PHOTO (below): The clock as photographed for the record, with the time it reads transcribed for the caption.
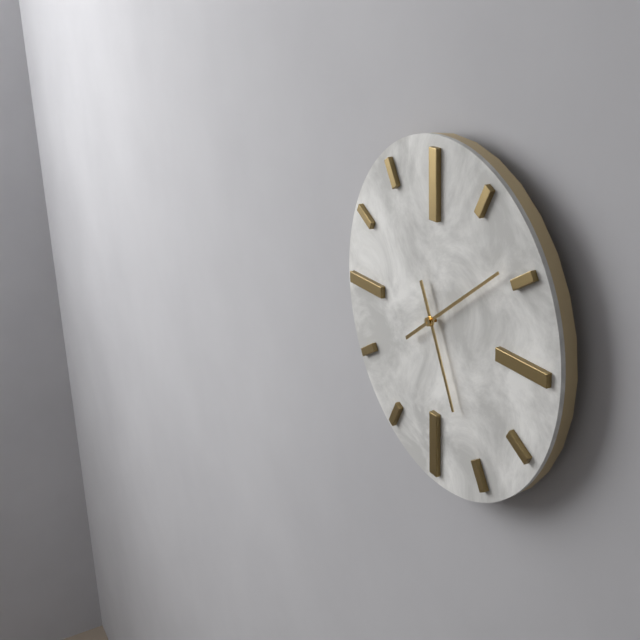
5:09
